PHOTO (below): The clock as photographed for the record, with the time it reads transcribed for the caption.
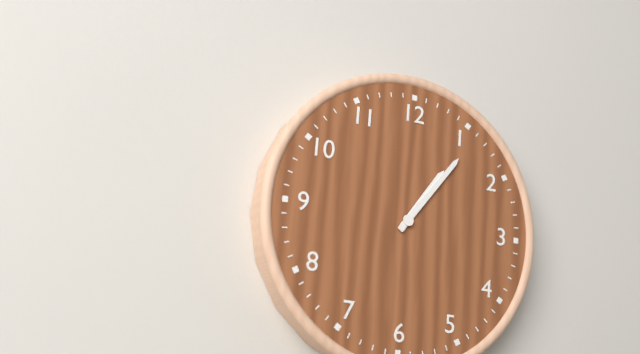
1:06
